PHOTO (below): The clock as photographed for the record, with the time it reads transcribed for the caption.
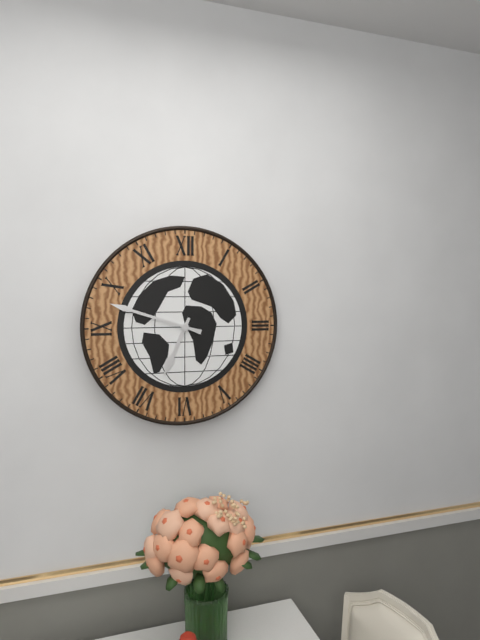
6:48
